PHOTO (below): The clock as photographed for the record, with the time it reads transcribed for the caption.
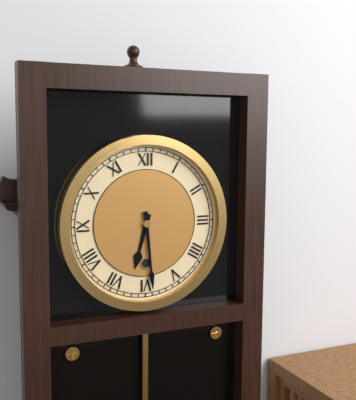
6:29
